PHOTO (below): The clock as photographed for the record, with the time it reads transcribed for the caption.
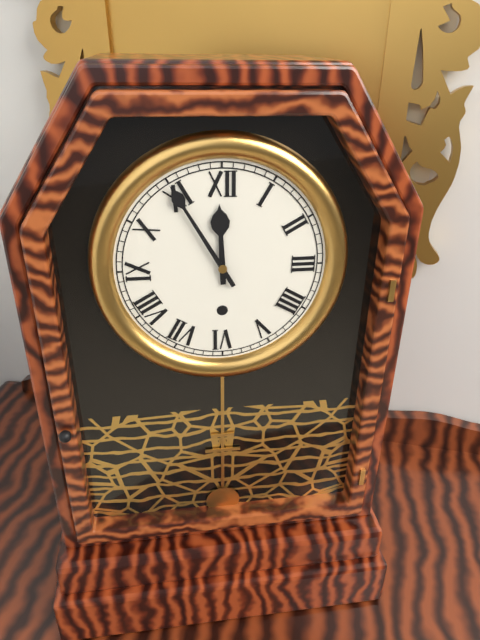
11:55
